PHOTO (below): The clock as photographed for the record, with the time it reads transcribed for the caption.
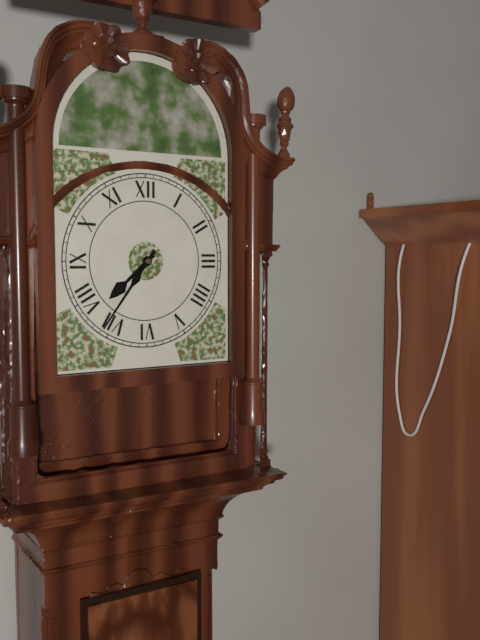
7:36
